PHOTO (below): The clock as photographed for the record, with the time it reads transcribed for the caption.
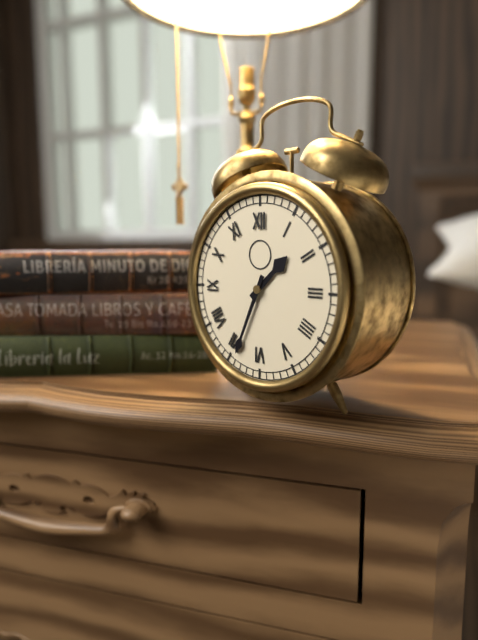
1:34
